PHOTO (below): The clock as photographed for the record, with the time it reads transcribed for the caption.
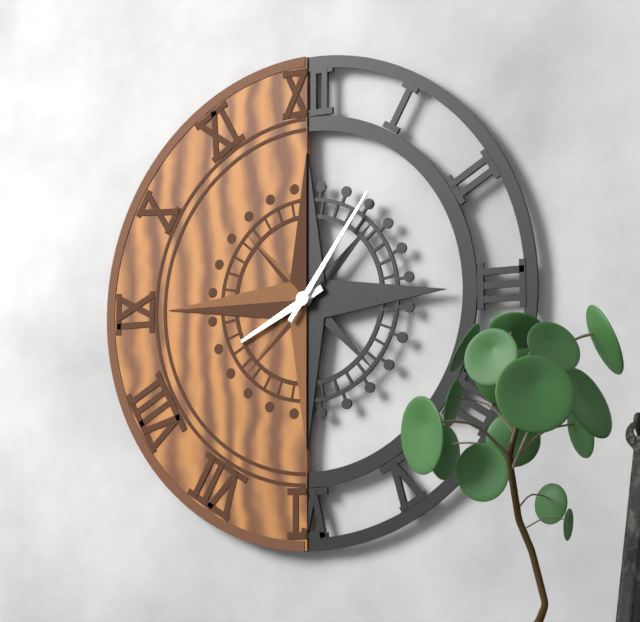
8:06
